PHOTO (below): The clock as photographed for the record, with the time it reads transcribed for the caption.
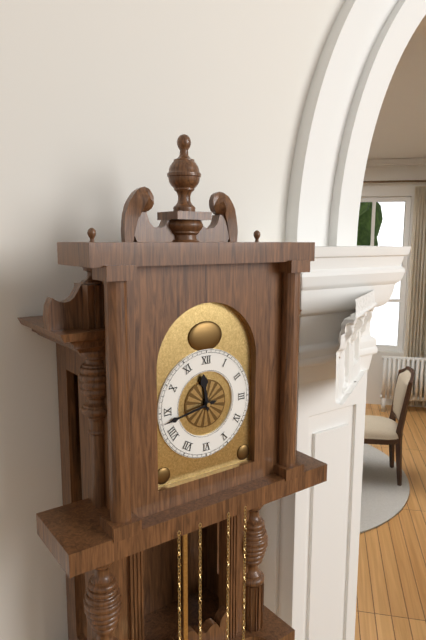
11:43
